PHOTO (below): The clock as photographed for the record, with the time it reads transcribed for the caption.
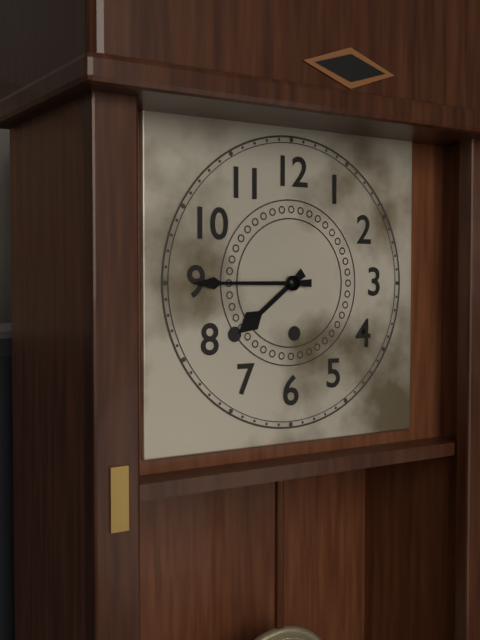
7:45
